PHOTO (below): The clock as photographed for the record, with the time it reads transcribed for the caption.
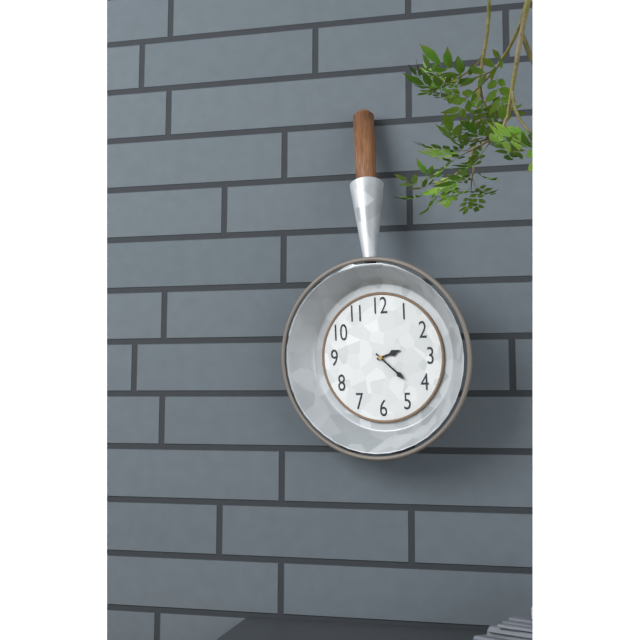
2:22
